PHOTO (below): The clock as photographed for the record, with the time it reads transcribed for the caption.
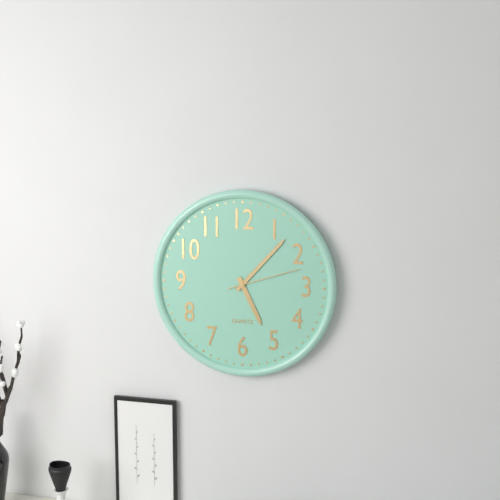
5:07:12
